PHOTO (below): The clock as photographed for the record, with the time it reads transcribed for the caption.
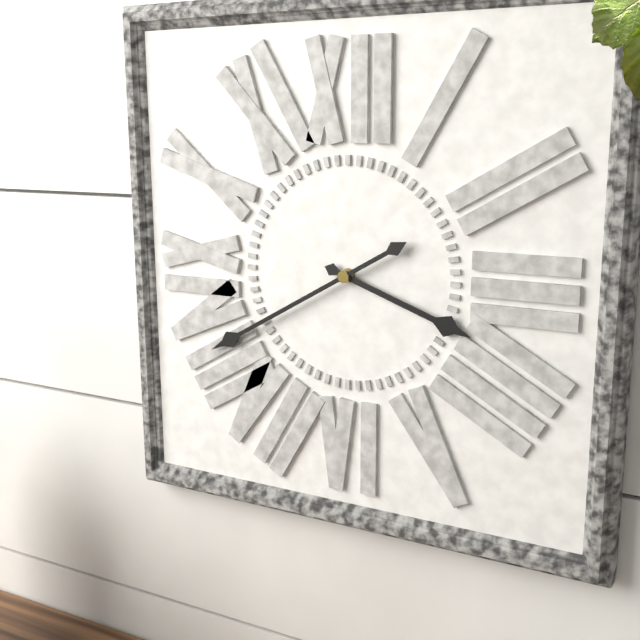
3:40
